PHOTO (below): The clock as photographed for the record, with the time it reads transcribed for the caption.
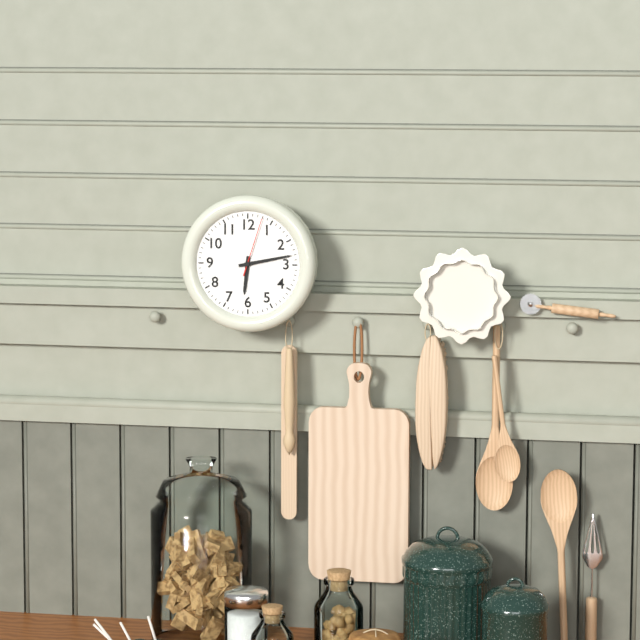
6:13:03
